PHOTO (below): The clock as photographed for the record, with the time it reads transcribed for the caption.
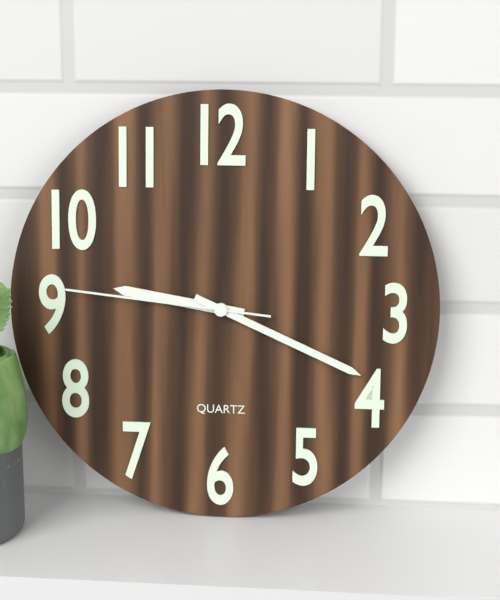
9:19:46
